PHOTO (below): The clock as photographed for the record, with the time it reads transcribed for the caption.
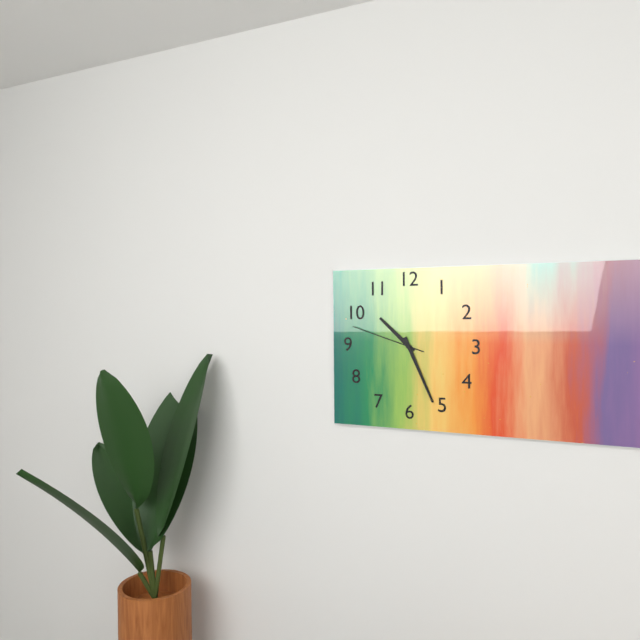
10:26:48
